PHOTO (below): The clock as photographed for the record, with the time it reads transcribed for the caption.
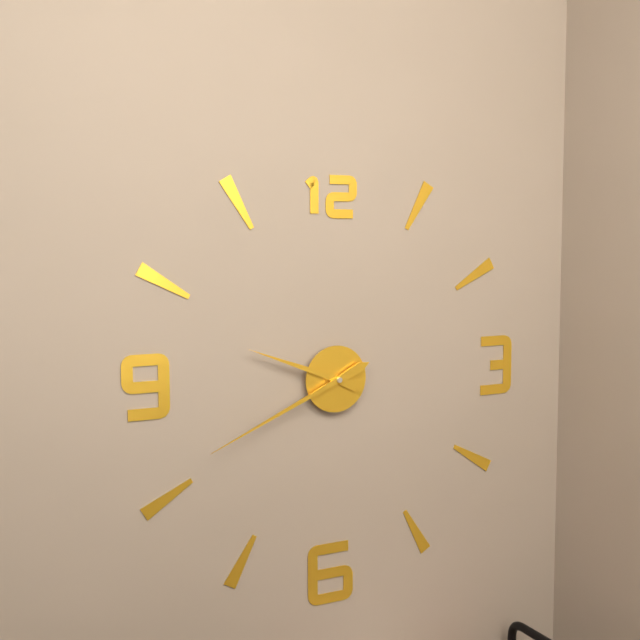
9:41
